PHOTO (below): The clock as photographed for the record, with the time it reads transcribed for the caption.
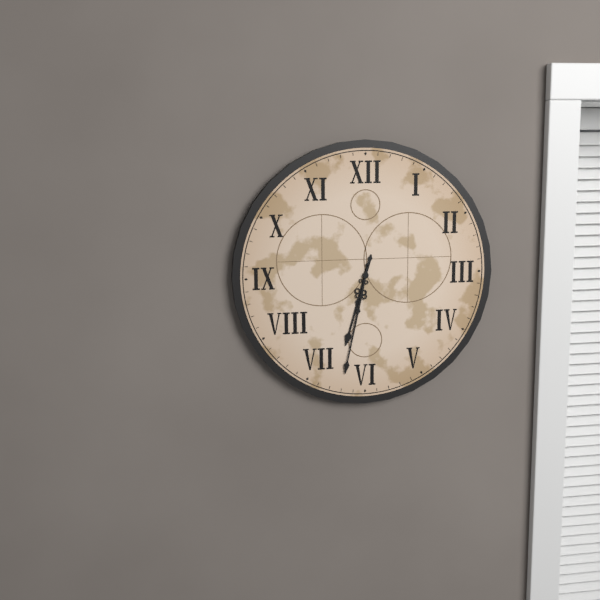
6:32
